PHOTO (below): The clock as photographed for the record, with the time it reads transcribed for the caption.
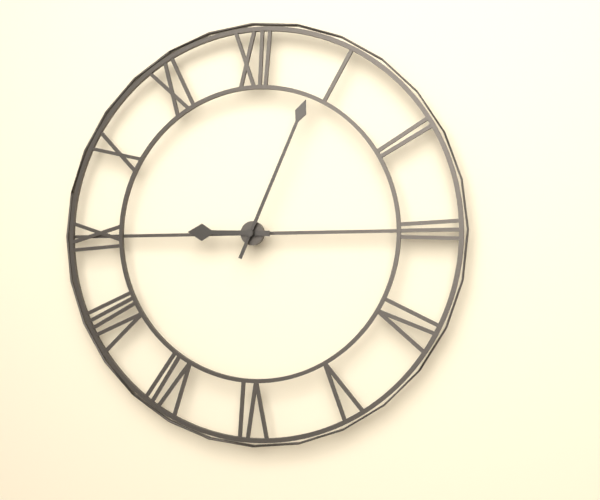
9:04
